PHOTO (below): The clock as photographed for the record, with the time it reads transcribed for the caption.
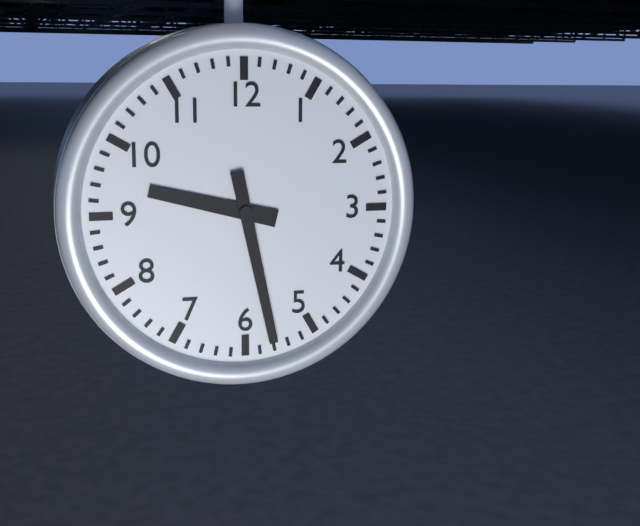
9:28
